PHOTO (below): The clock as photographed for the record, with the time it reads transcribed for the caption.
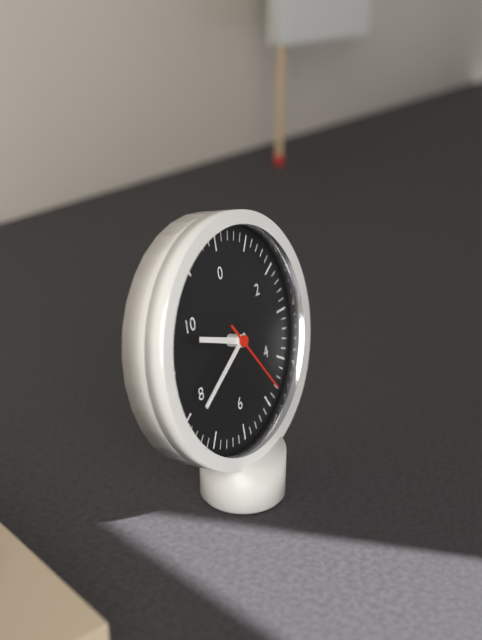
9:40:24
